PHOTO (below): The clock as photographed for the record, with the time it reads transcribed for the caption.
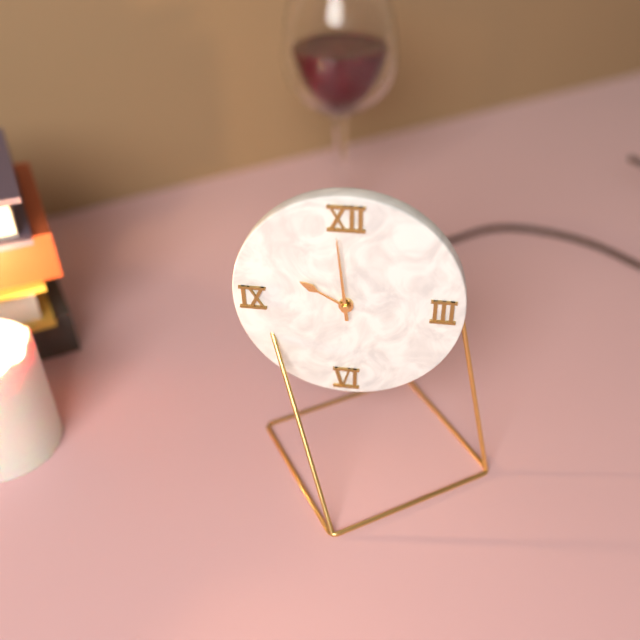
9:59
